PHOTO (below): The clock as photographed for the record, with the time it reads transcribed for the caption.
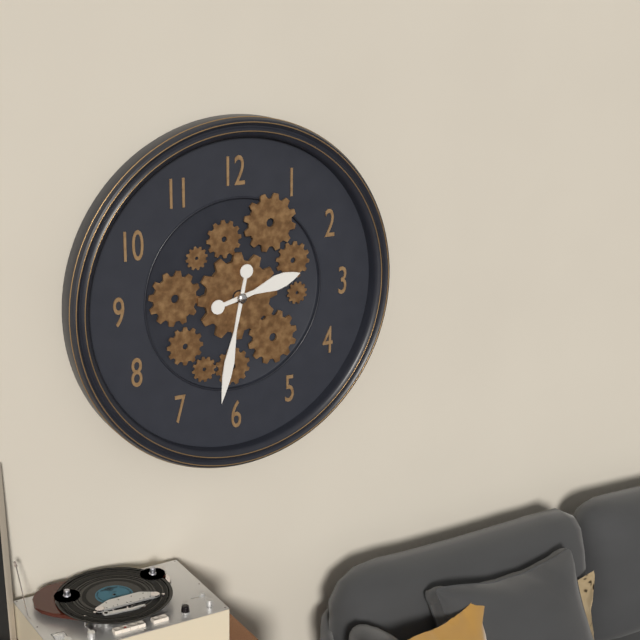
2:32
